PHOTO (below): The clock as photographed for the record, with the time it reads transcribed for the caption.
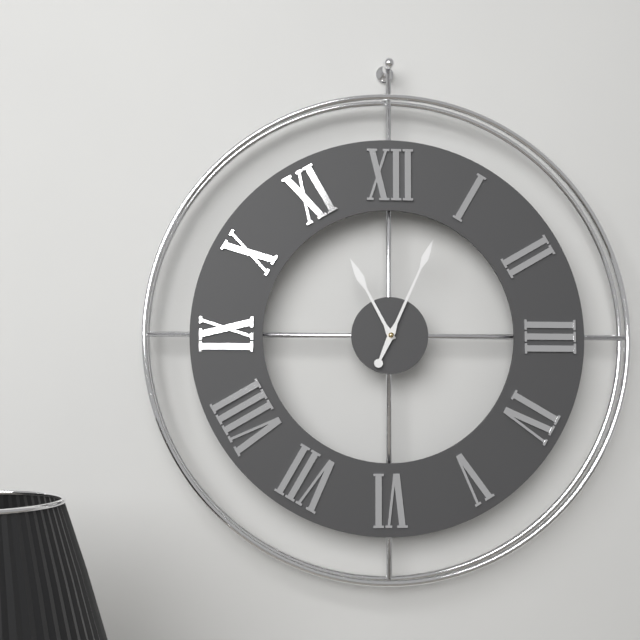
11:04
